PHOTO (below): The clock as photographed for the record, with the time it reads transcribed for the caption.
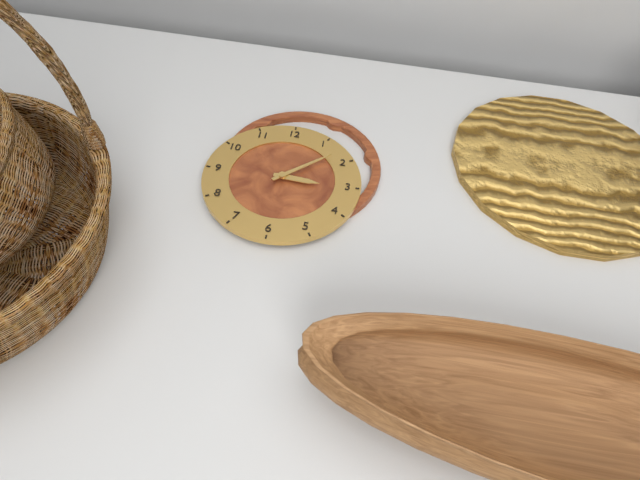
3:08
